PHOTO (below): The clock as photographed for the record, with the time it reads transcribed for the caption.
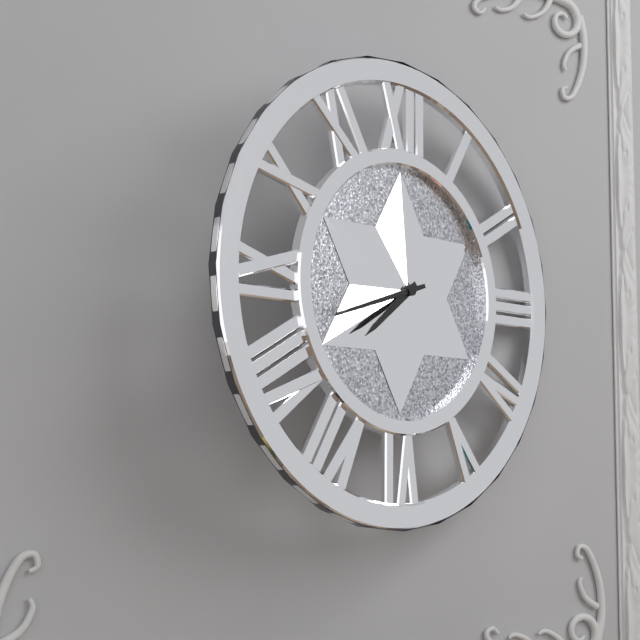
7:42
